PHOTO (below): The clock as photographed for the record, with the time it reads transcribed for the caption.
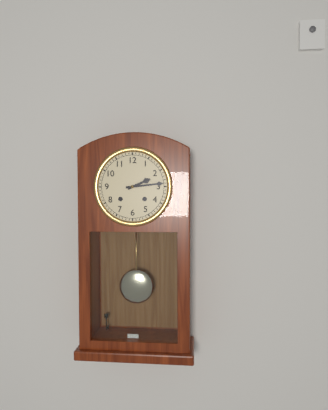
2:14
